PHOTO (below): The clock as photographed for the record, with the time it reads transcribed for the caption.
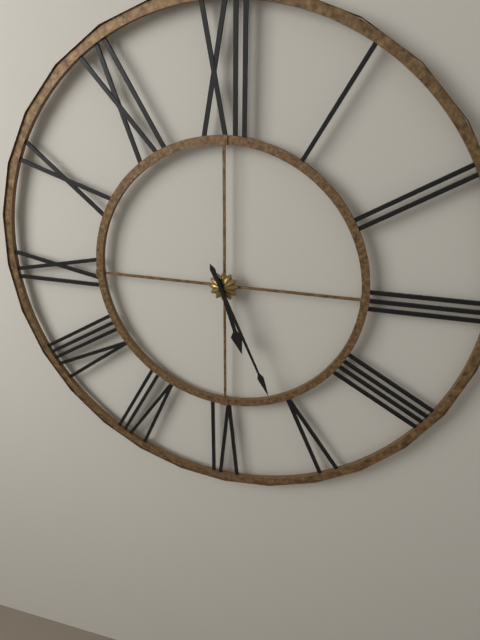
5:26
